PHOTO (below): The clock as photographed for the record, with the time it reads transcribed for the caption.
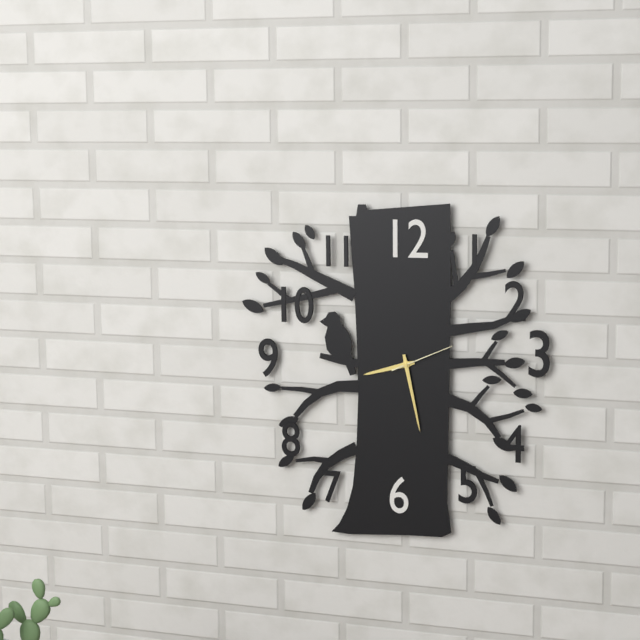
8:28:11
